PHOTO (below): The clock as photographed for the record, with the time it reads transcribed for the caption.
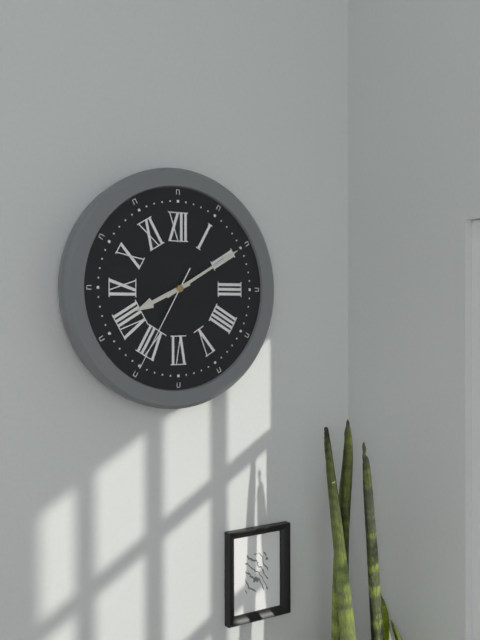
8:10:35
